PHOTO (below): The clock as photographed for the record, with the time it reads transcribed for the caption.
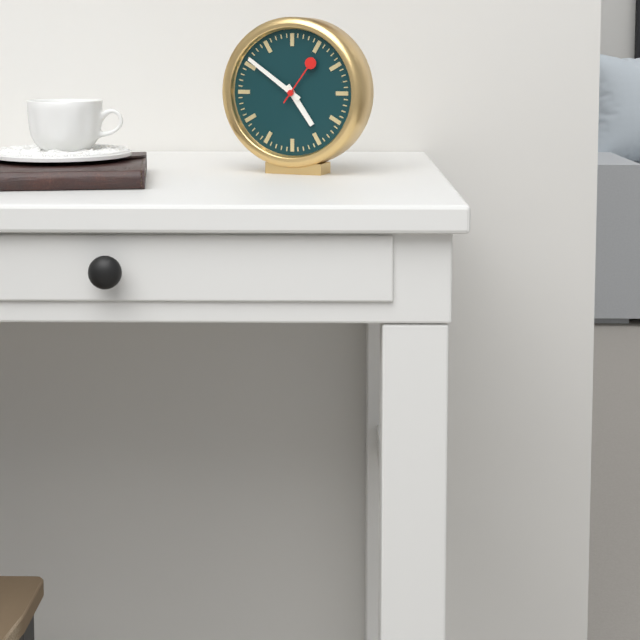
4:51
